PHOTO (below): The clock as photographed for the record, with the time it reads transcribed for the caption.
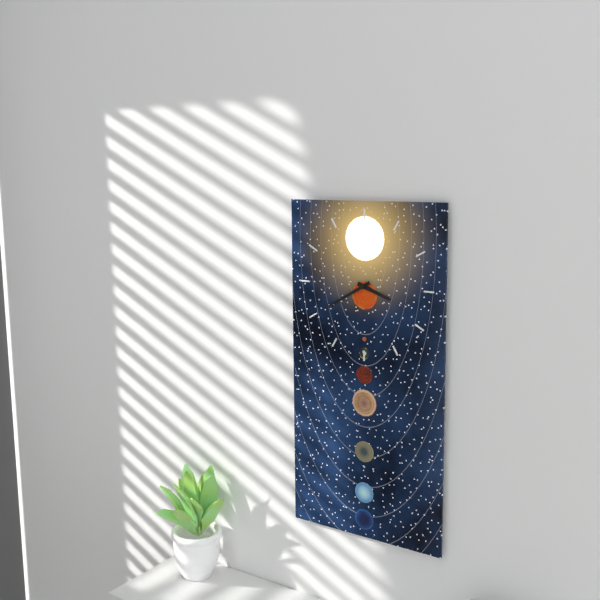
3:40
